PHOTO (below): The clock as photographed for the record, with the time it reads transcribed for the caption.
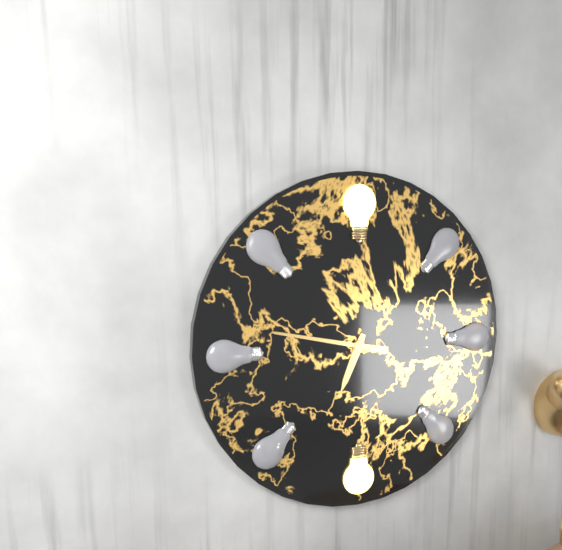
6:47
